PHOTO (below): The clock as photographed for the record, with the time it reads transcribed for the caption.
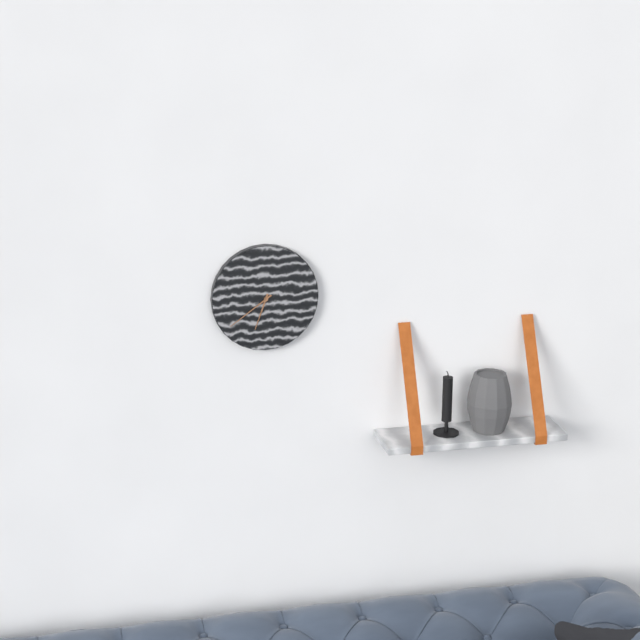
6:39
